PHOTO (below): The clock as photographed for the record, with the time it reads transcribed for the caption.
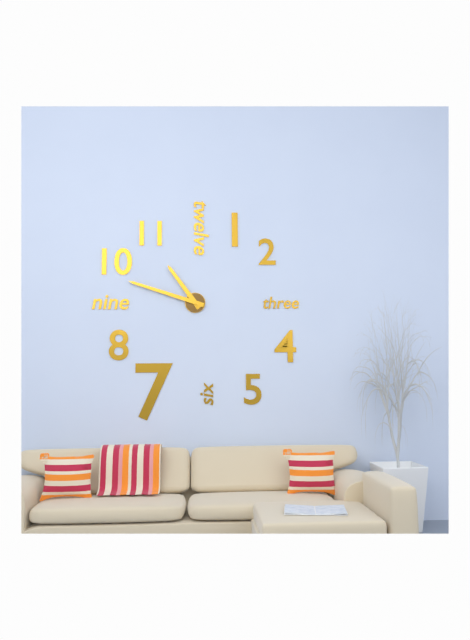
10:48
